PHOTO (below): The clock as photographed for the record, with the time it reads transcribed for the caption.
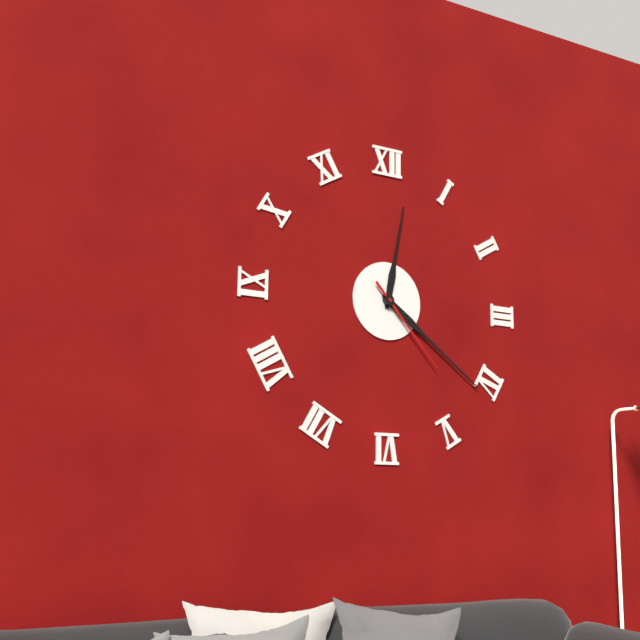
12:21:23
